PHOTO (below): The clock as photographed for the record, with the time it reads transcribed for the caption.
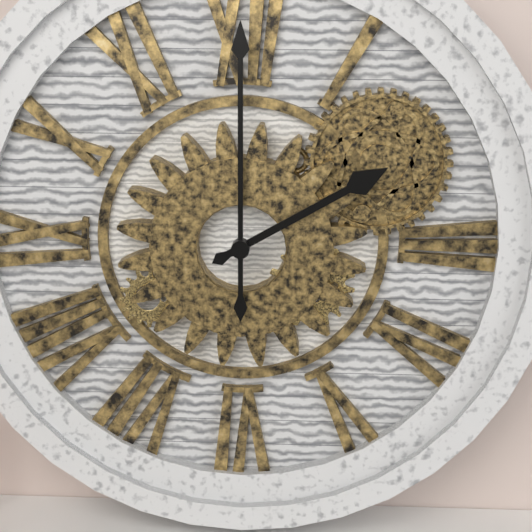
2:00
